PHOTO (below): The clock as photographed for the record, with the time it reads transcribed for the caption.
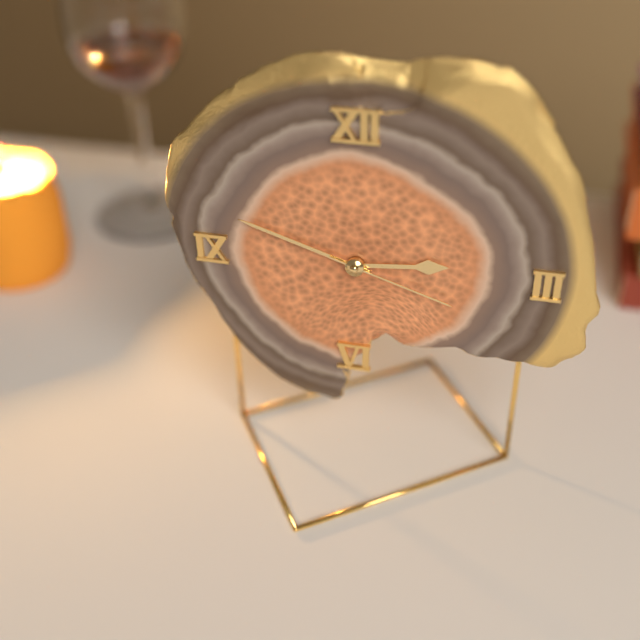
2:48:18
